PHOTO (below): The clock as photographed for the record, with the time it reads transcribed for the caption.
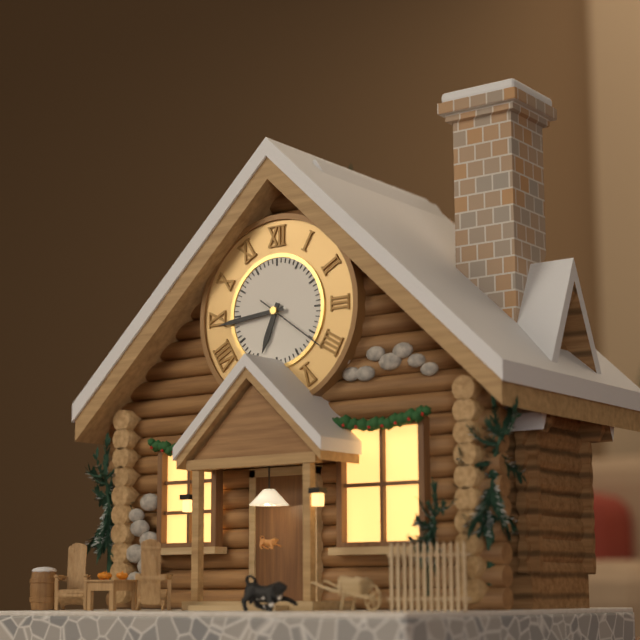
6:44:21
